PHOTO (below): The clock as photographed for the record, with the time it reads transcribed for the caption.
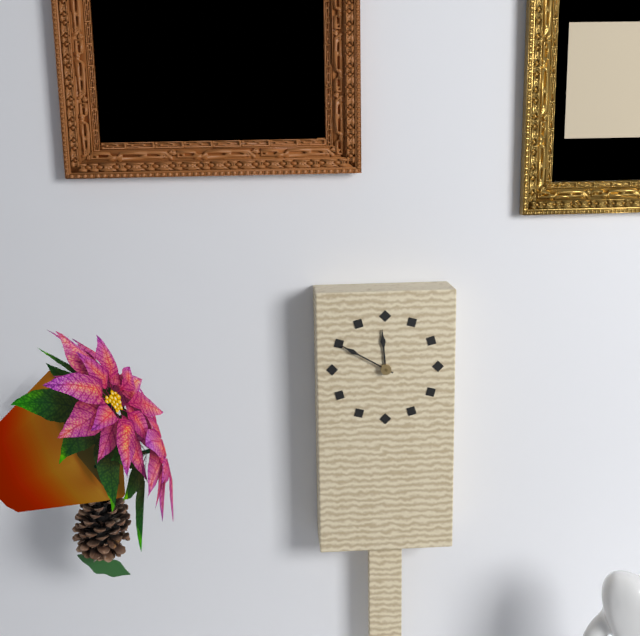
11:50
